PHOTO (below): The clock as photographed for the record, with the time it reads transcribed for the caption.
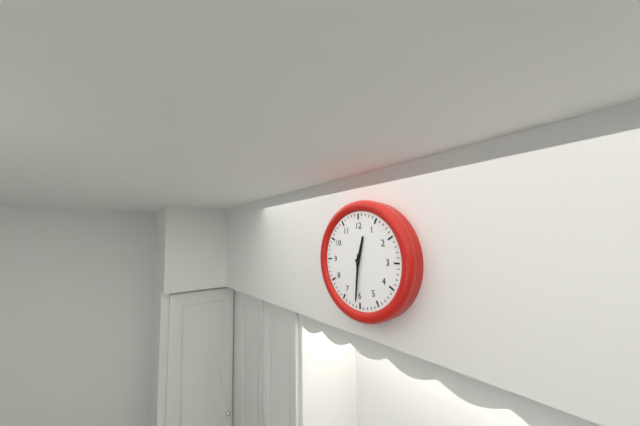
12:31
